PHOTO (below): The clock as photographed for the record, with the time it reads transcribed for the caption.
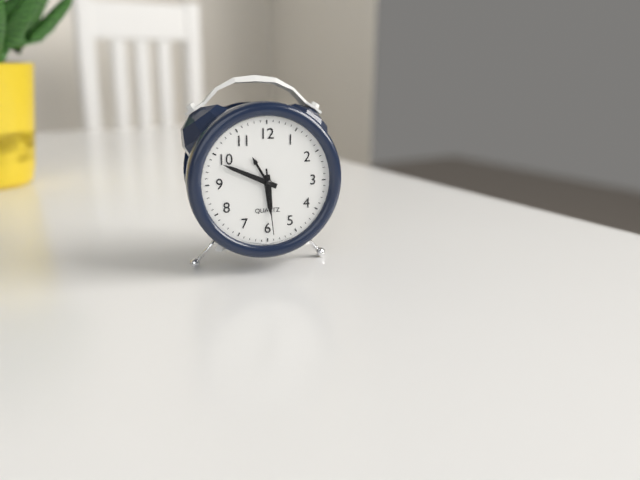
5:49:29
